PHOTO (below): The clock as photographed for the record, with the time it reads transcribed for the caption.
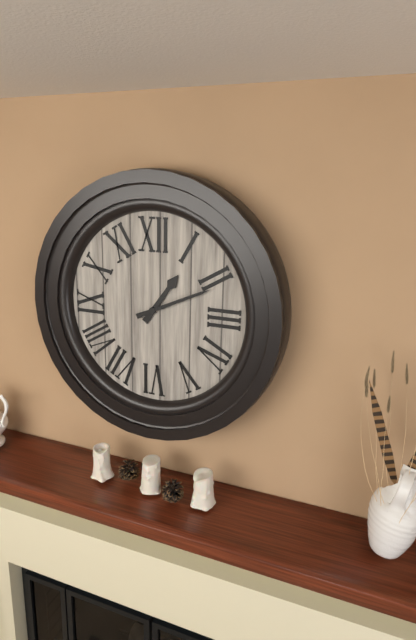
1:11
